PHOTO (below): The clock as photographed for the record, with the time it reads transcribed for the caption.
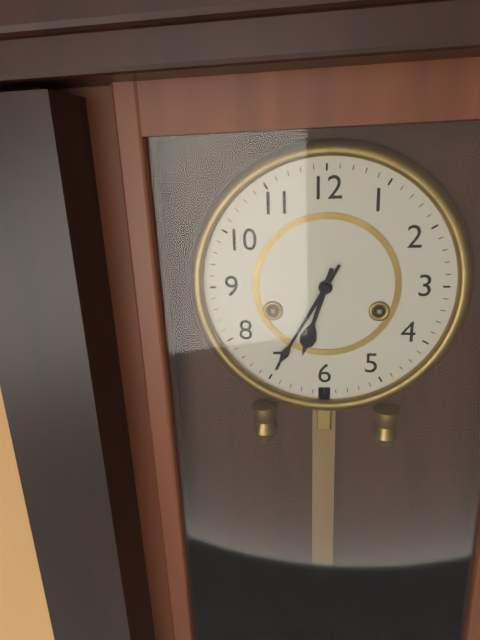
6:35
